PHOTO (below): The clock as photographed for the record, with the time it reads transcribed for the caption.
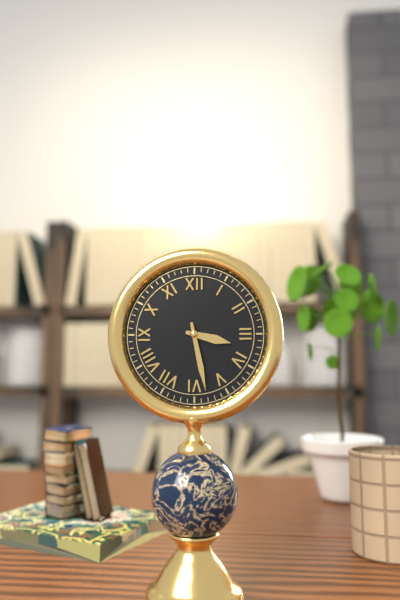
3:28
